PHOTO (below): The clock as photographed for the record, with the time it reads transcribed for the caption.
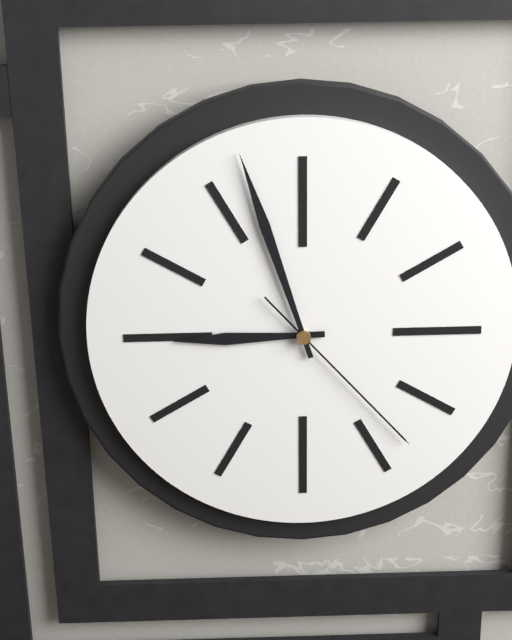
8:57:23
